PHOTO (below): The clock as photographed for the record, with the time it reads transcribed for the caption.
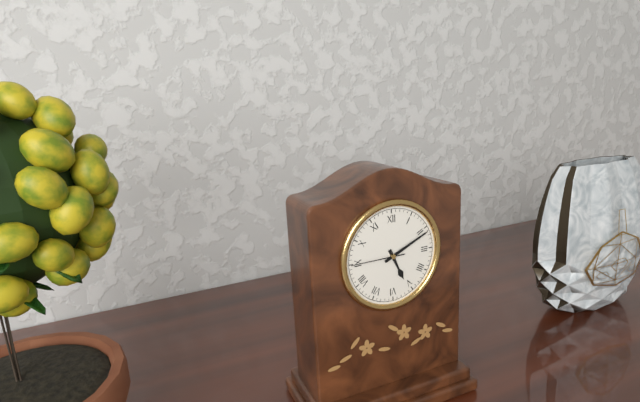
5:11:45
